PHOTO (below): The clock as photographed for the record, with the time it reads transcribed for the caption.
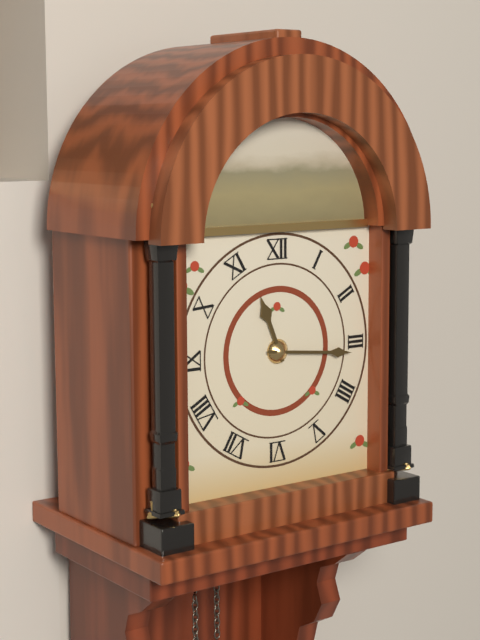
11:16
